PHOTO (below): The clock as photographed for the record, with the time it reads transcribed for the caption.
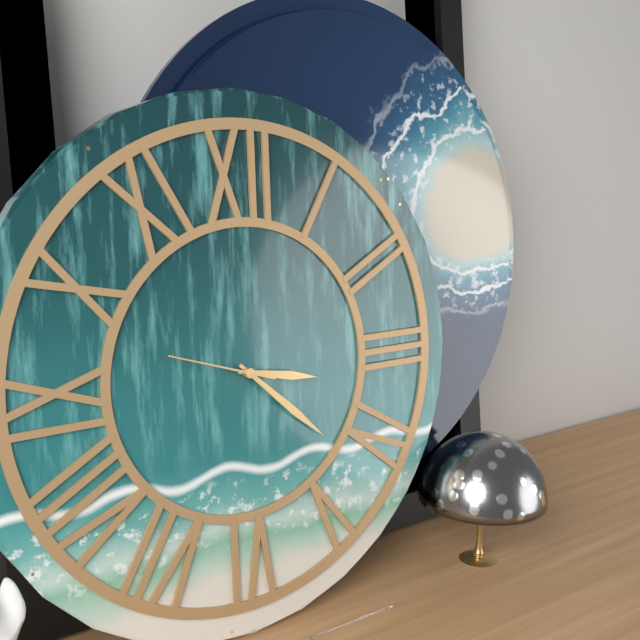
3:22:48
